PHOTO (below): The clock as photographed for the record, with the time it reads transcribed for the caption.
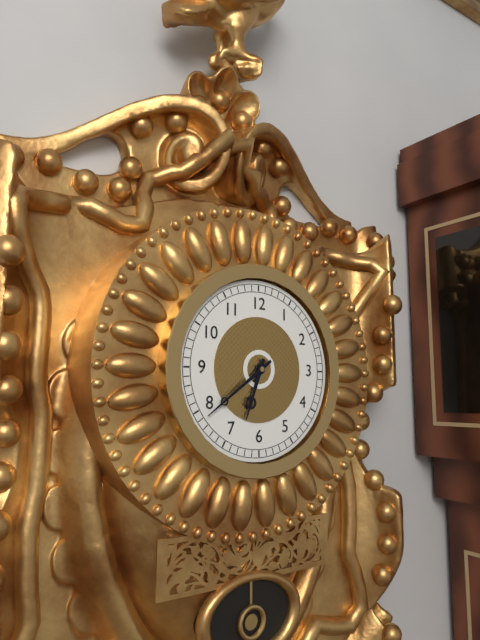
6:39
